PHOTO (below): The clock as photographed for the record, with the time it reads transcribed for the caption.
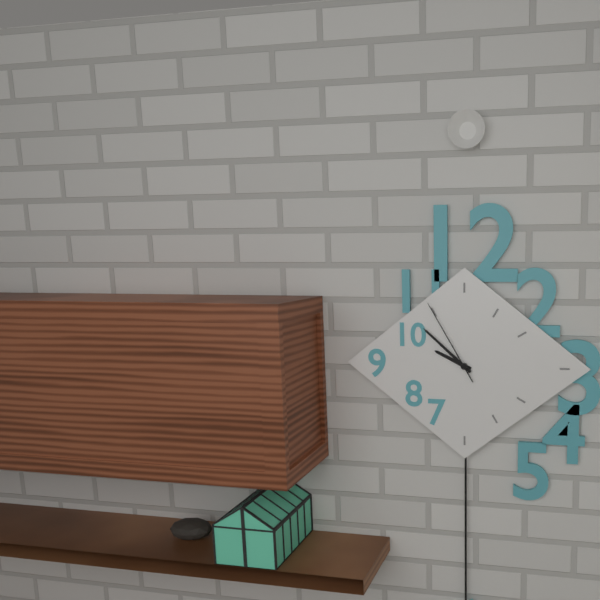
9:52:55
